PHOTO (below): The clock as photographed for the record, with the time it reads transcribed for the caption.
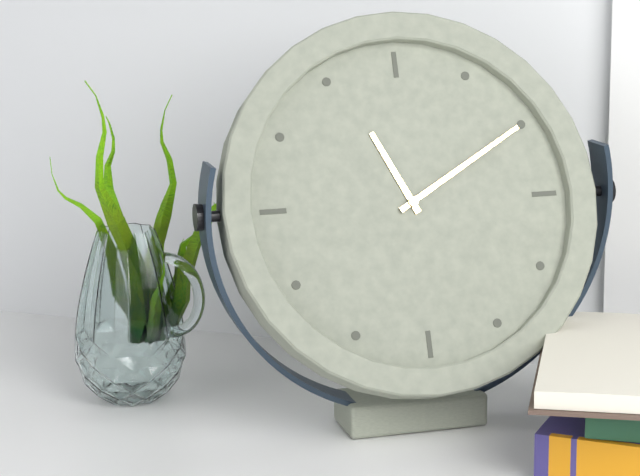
11:10
